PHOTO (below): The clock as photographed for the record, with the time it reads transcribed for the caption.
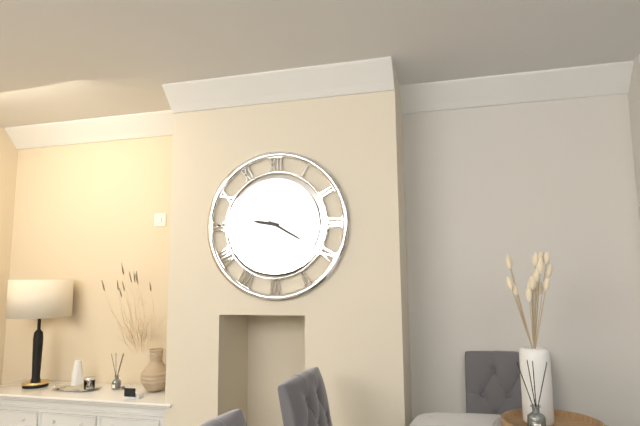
9:20
